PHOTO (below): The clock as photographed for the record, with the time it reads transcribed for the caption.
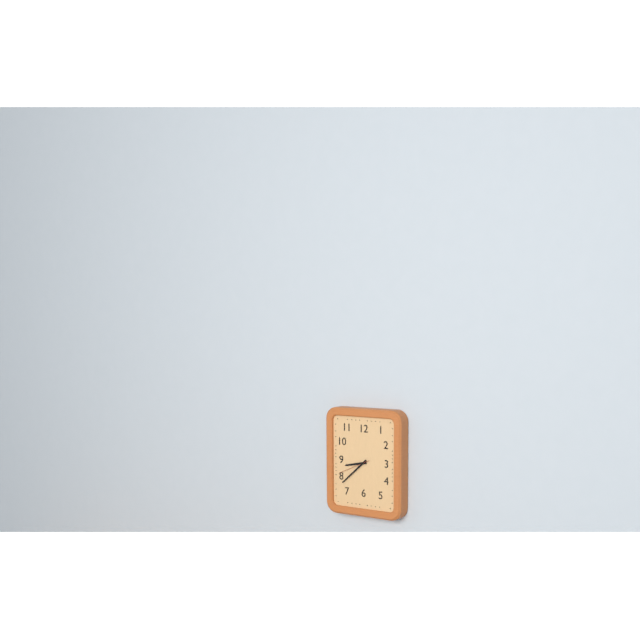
8:38
